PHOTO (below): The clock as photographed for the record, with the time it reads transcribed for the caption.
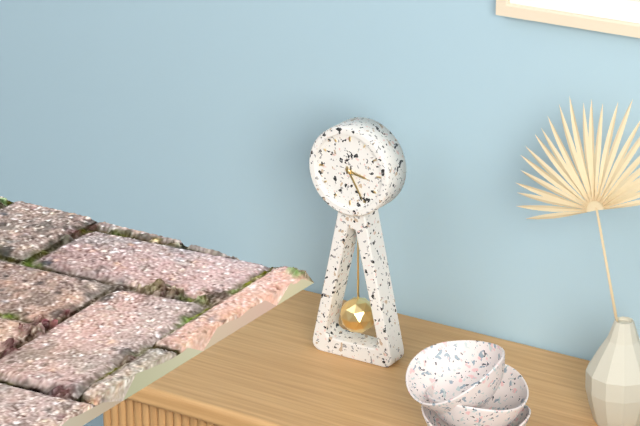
3:25
